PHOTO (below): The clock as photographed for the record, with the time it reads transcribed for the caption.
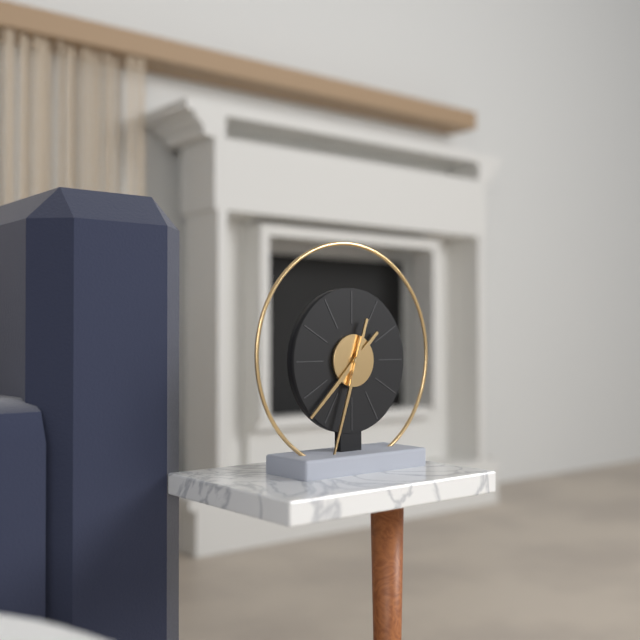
7:33
